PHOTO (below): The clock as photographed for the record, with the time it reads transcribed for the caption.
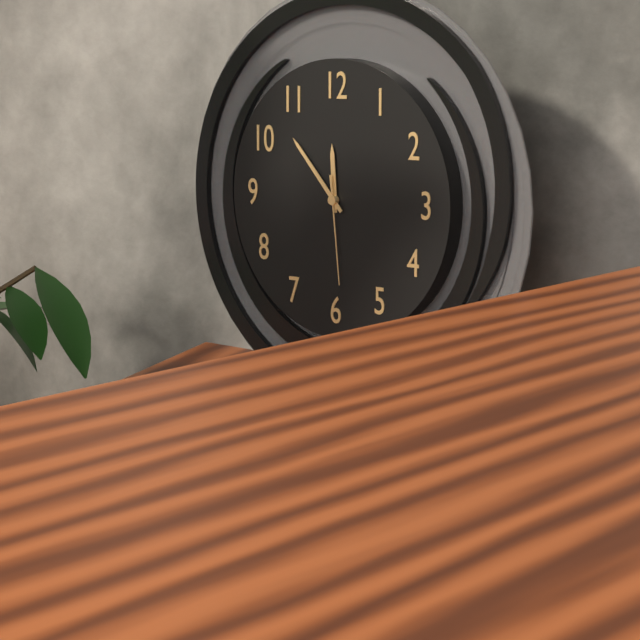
11:53:29
